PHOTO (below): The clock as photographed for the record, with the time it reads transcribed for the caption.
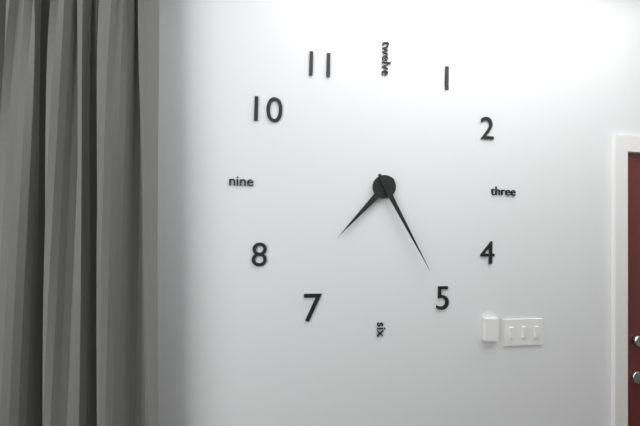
7:25
